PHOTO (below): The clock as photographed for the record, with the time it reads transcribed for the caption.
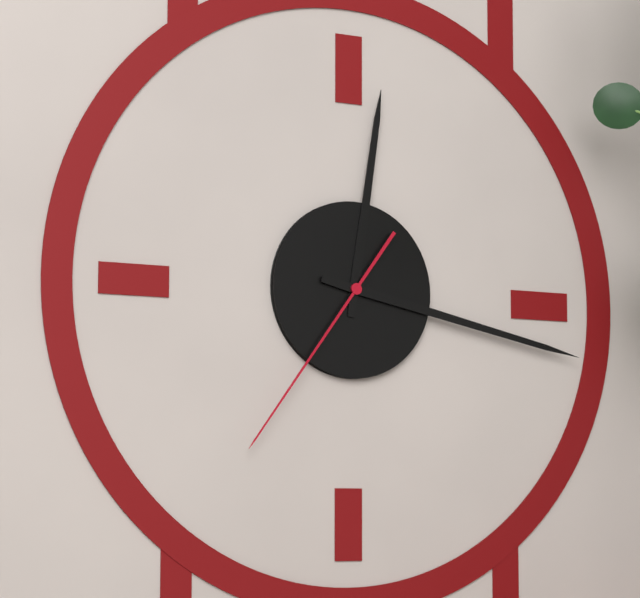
12:17:36
